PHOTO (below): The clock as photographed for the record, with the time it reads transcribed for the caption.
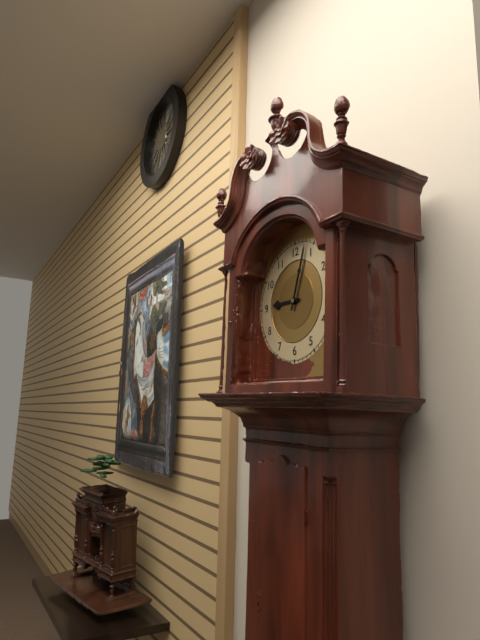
9:03
